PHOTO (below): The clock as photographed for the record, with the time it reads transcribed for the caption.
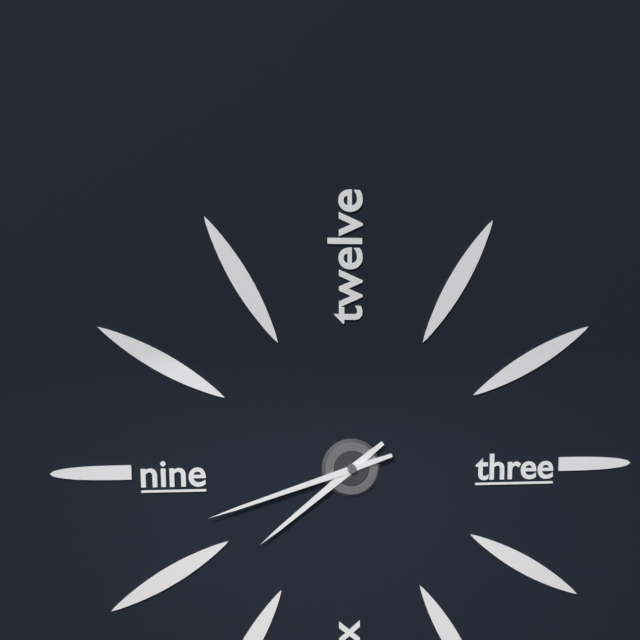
7:42
